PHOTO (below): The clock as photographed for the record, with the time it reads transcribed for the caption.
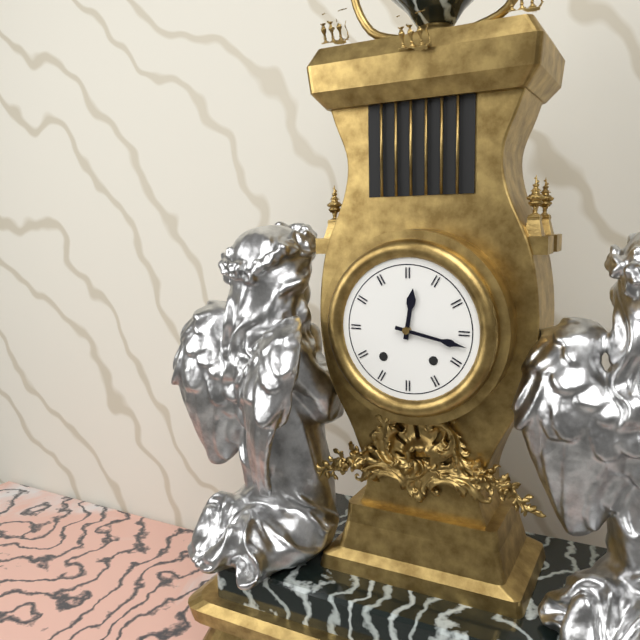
12:17
